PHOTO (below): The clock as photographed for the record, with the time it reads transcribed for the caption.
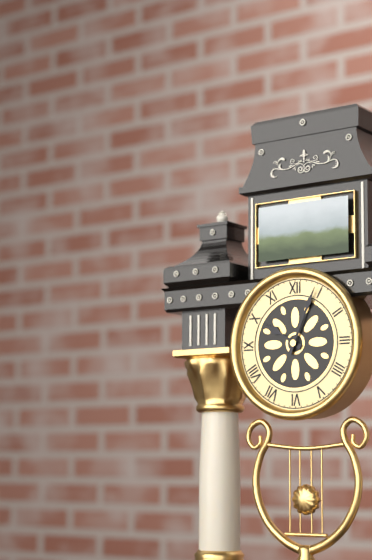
10:04
